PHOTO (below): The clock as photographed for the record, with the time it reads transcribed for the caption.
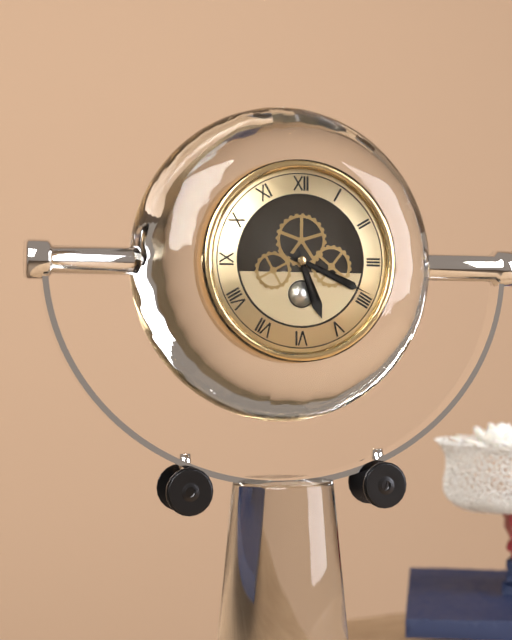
5:19
